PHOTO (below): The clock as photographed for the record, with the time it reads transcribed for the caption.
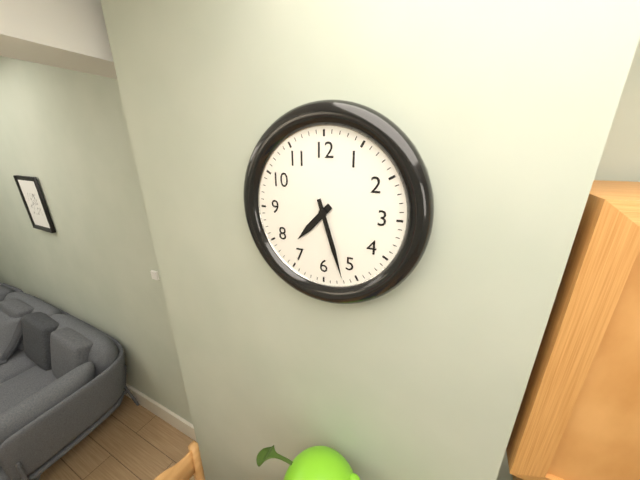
7:27
